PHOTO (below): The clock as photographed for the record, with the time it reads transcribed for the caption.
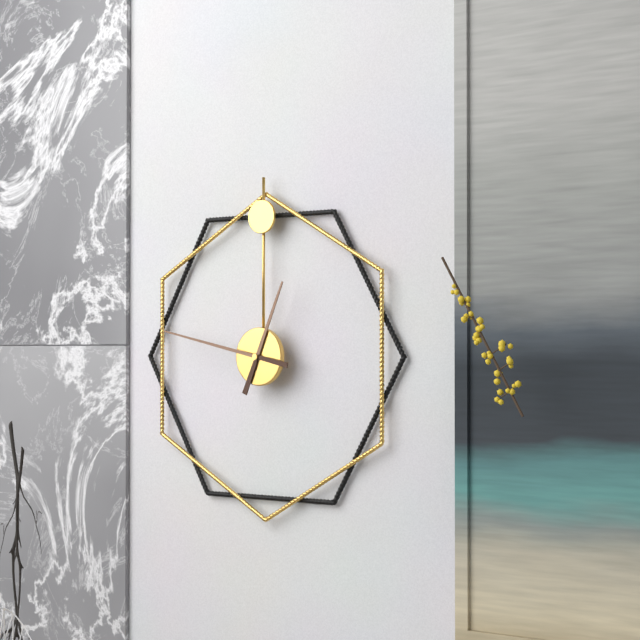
12:47
